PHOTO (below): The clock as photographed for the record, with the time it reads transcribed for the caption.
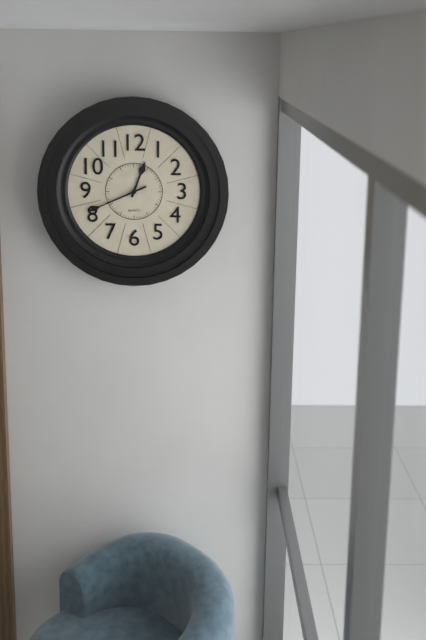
12:41
